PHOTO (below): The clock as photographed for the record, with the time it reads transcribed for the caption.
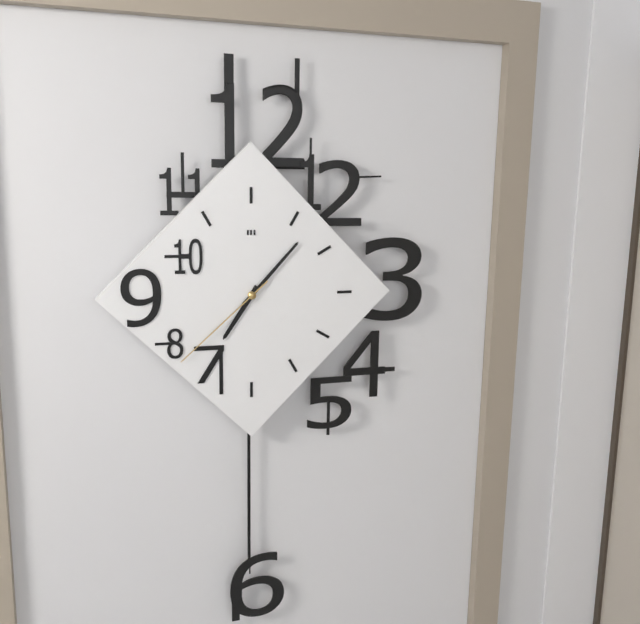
7:07:38
